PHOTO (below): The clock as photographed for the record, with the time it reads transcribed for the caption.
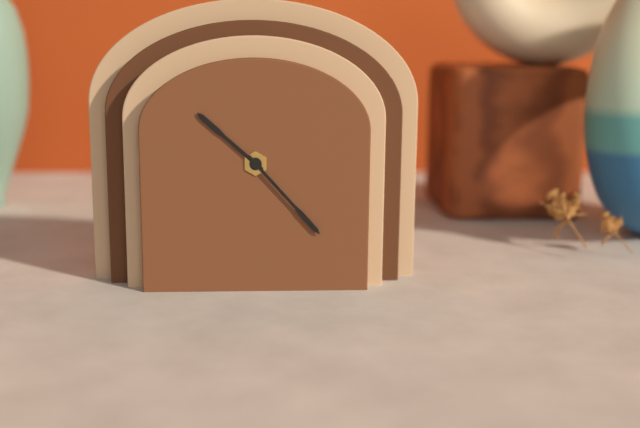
10:23
